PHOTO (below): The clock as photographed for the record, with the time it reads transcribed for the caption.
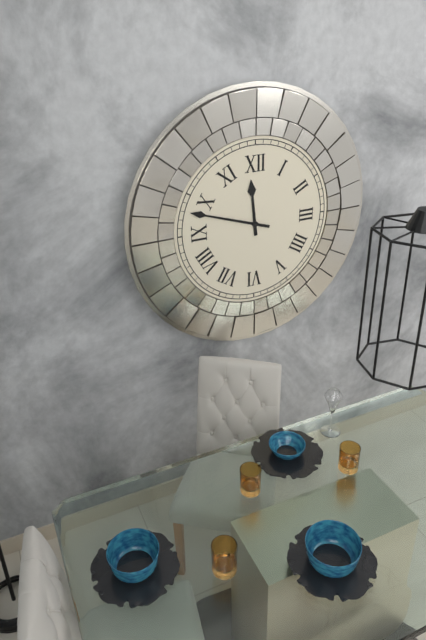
11:48
